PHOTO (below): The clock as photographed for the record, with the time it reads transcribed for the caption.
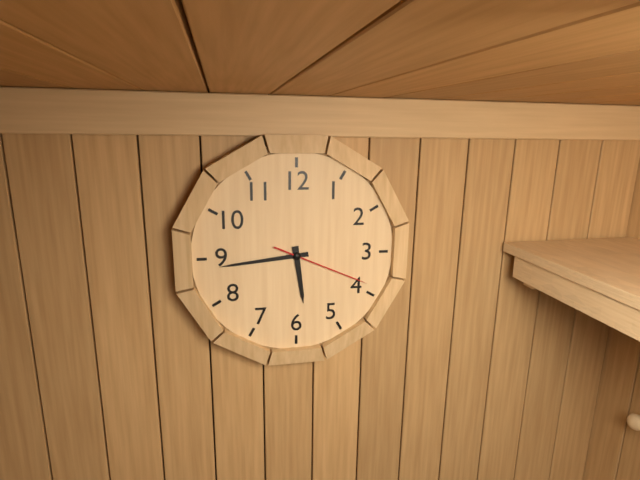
5:44:19
